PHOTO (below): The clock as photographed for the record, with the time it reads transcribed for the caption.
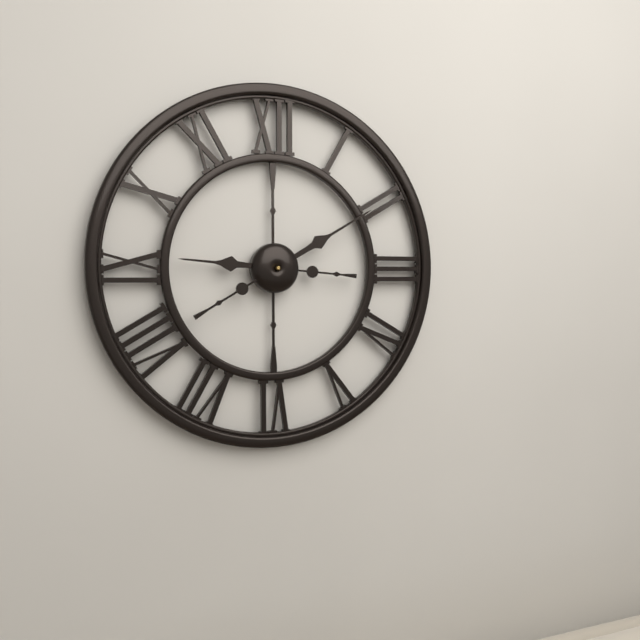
9:10
